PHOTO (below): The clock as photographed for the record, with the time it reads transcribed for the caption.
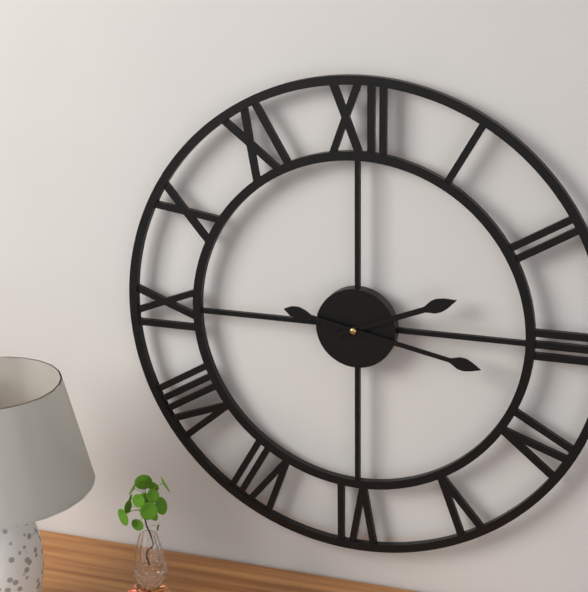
2:17
